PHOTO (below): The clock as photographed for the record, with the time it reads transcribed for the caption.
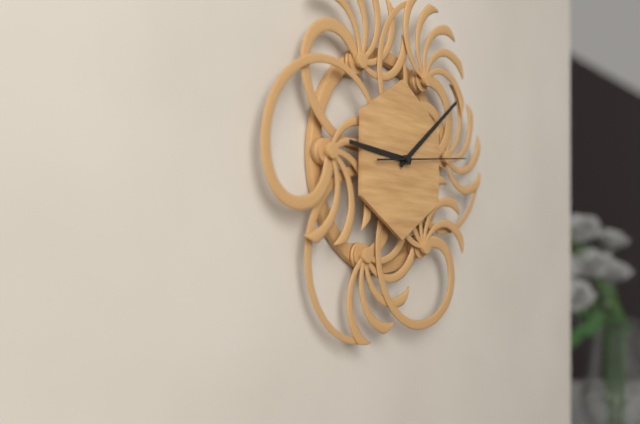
9:09:14
